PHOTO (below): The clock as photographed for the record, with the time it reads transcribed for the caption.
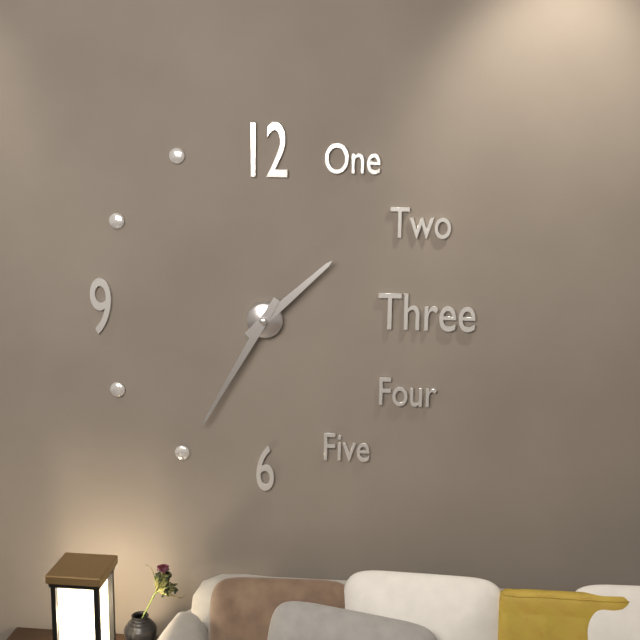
1:35
